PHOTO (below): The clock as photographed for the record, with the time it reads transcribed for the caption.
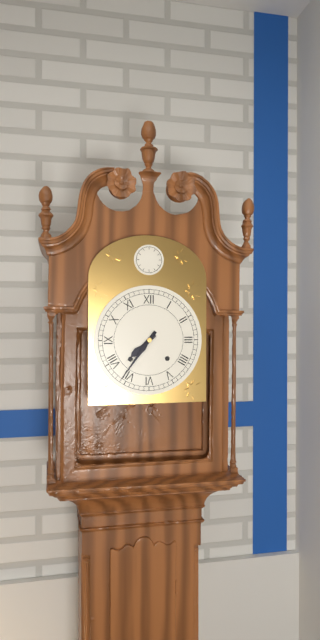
7:36
